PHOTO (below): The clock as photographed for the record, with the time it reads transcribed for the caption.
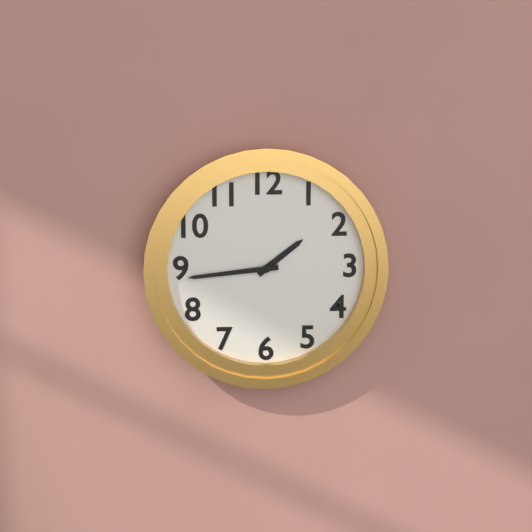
1:44
